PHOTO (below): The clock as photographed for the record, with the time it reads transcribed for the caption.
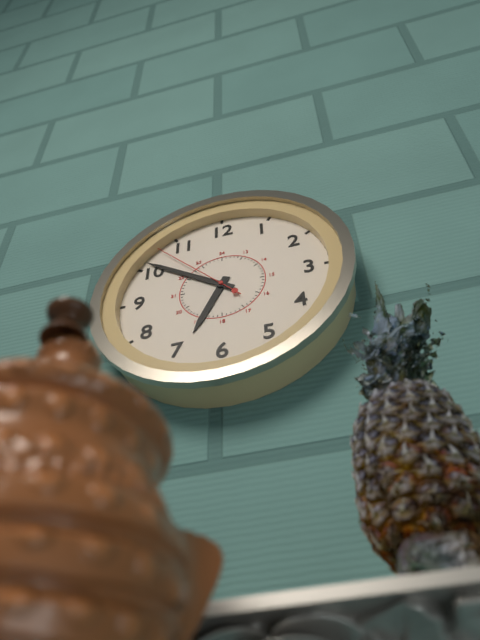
6:51:53
